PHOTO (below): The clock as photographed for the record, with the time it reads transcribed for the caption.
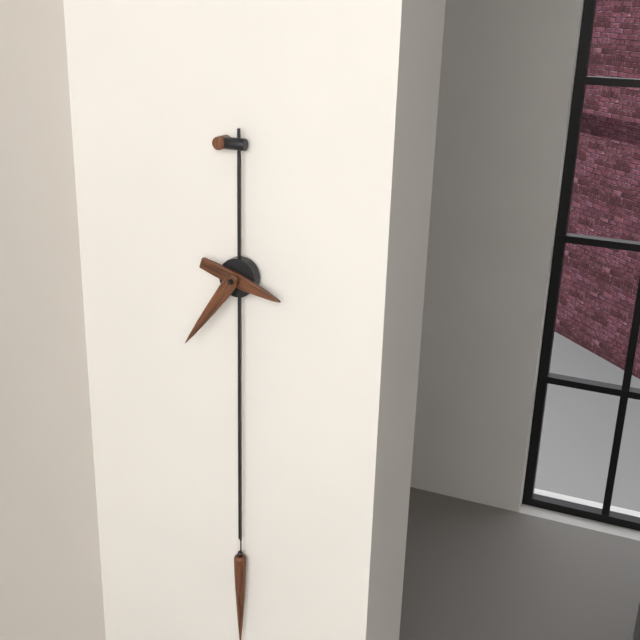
3:36
